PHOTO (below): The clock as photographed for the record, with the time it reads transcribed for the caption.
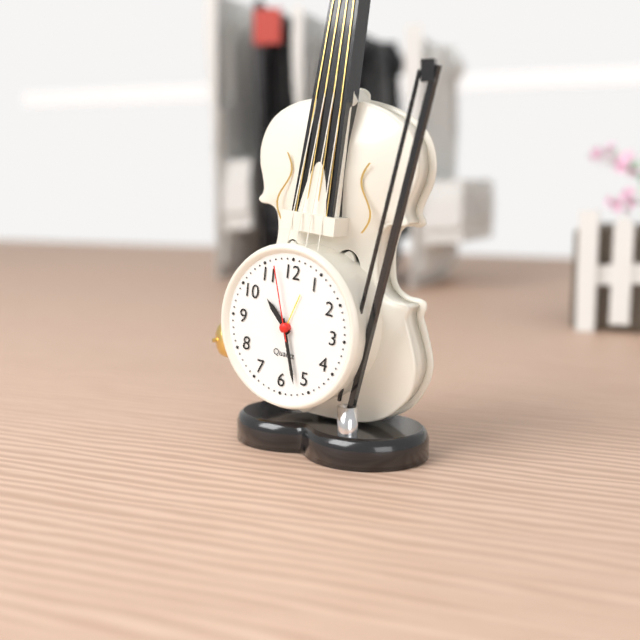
10:27:57
